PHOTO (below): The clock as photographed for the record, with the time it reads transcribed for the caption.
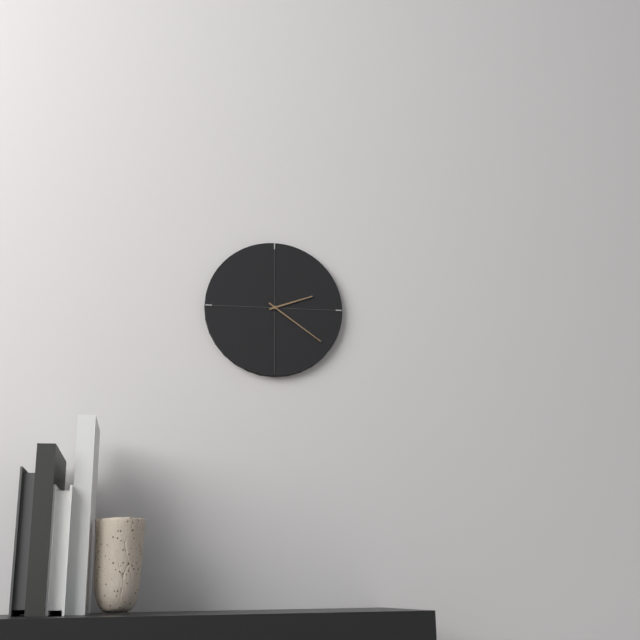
2:21
